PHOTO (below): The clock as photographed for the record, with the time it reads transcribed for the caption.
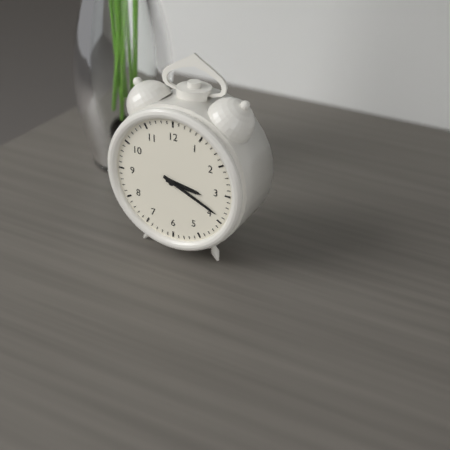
3:19
